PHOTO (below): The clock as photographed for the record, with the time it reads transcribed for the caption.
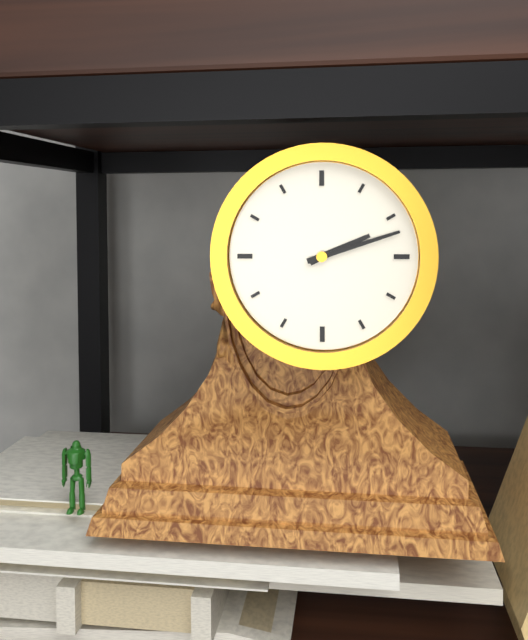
2:12
